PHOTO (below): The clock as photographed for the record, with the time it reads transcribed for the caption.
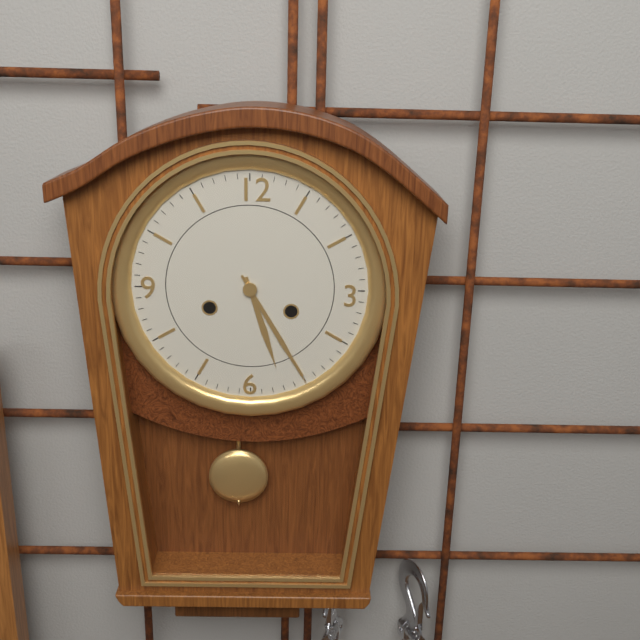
5:25
